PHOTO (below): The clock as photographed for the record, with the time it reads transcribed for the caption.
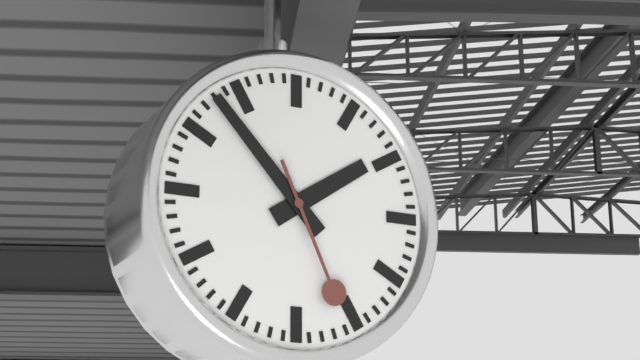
1:53:26
